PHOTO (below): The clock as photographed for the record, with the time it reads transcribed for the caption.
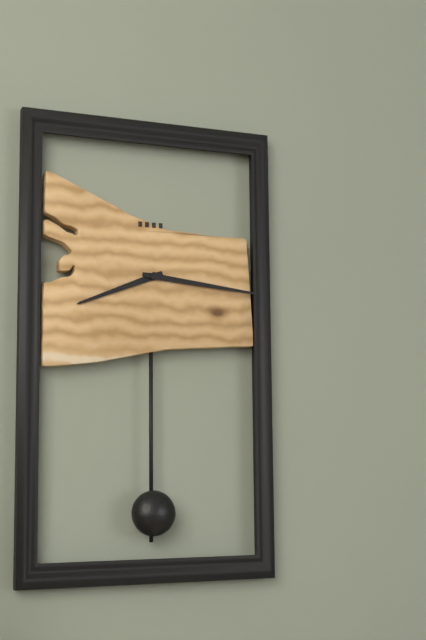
8:16
